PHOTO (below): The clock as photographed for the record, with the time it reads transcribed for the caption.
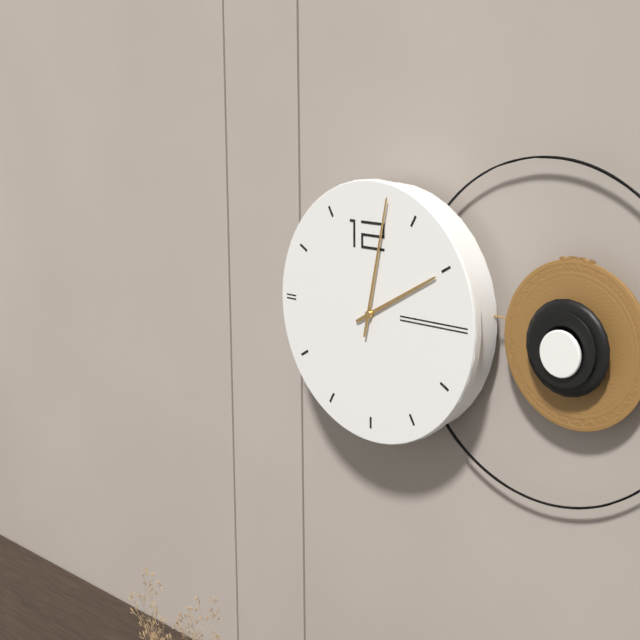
2:02
